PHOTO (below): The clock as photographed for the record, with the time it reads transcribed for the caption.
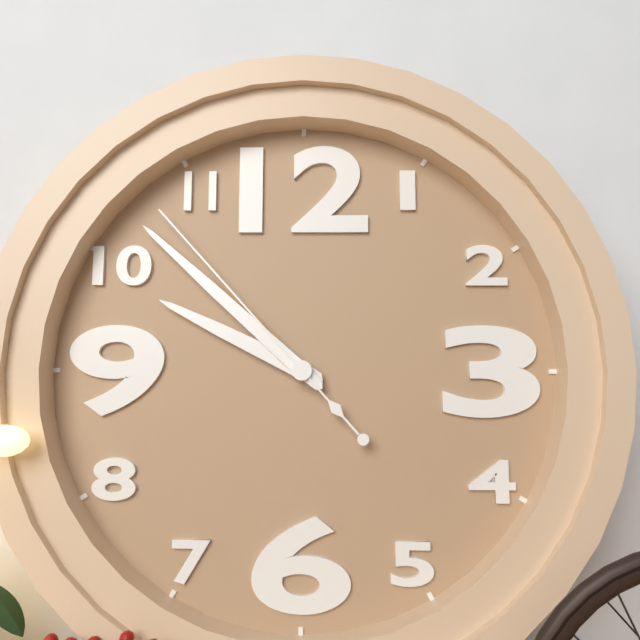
9:52:53
